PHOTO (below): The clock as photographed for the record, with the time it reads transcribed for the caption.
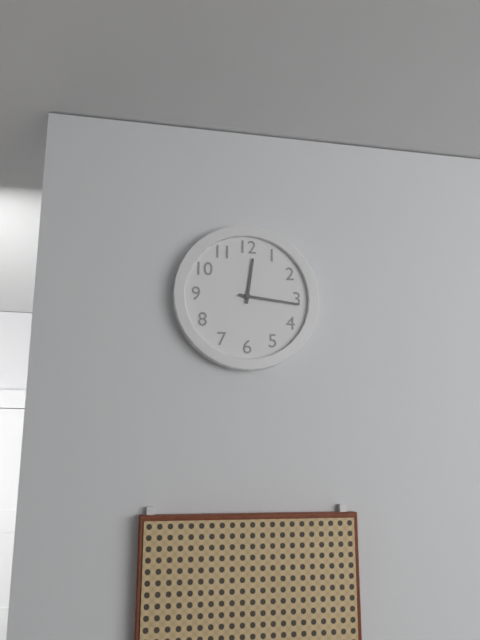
12:16
